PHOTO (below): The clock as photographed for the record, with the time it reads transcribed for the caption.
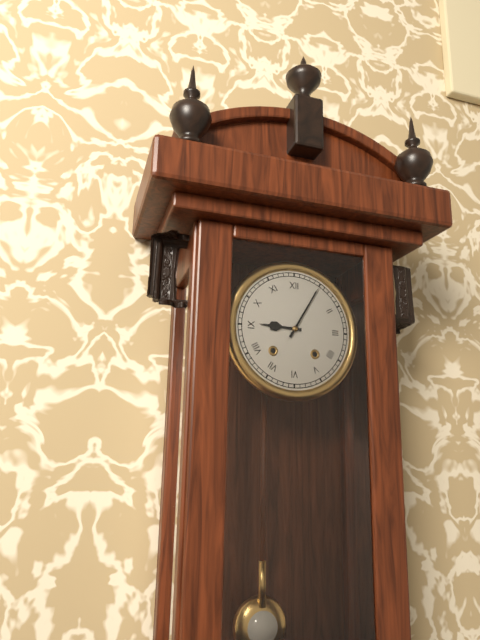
9:05
